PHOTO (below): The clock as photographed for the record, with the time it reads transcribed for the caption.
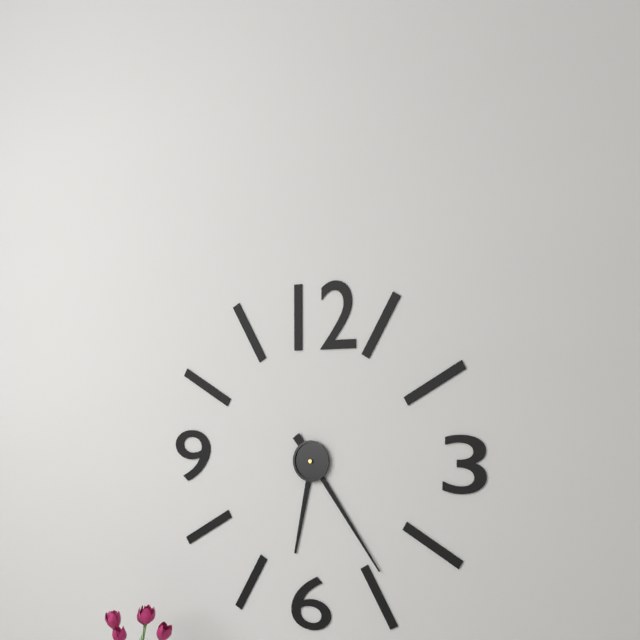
6:24
